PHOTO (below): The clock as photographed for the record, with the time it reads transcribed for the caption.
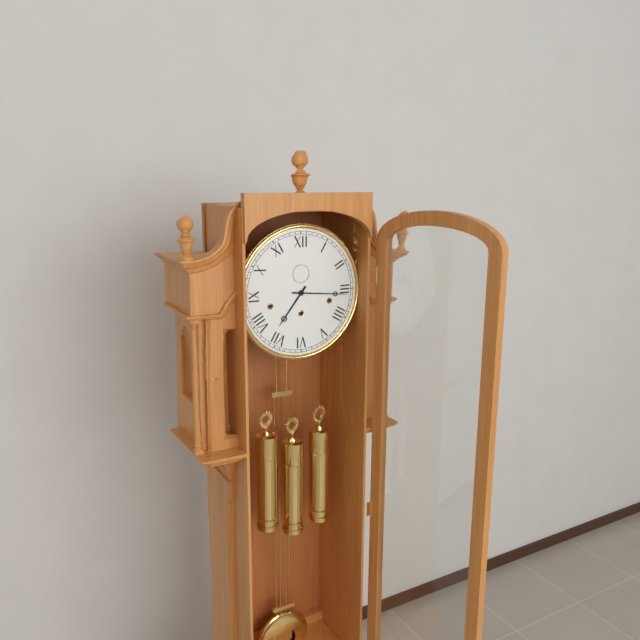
7:16
